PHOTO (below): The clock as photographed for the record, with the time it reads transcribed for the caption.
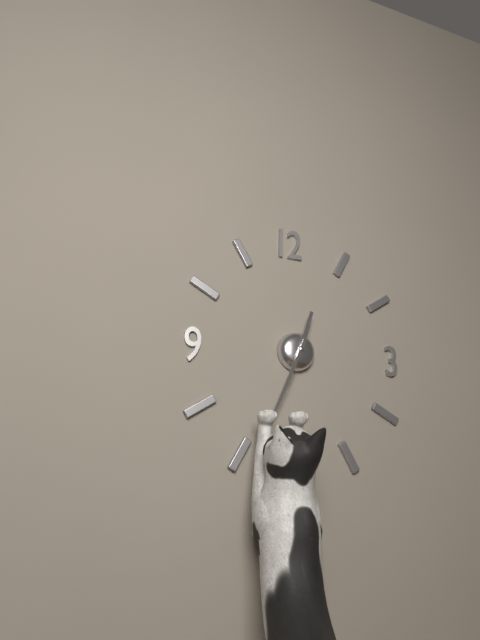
12:34
